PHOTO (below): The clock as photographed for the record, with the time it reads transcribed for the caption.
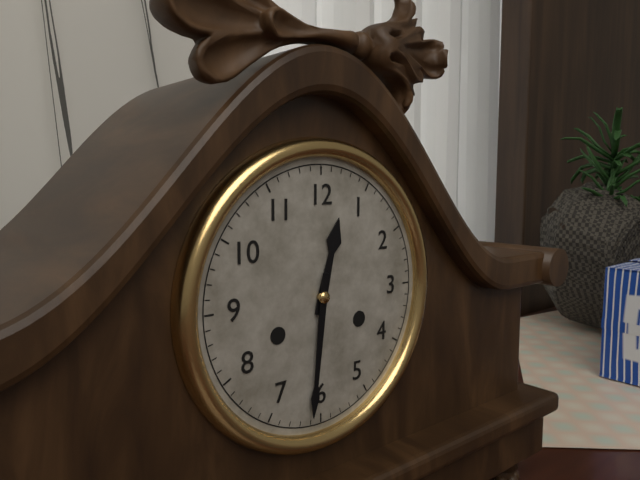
12:31
